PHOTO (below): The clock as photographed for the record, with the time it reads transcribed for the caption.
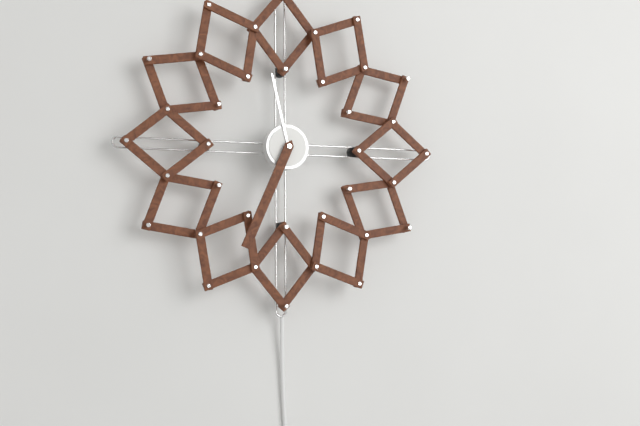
11:34
